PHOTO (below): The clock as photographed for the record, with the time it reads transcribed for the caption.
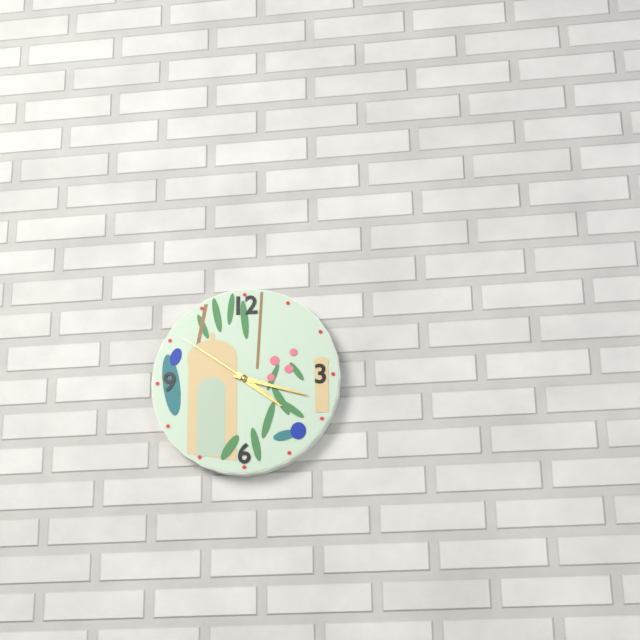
4:18:51
